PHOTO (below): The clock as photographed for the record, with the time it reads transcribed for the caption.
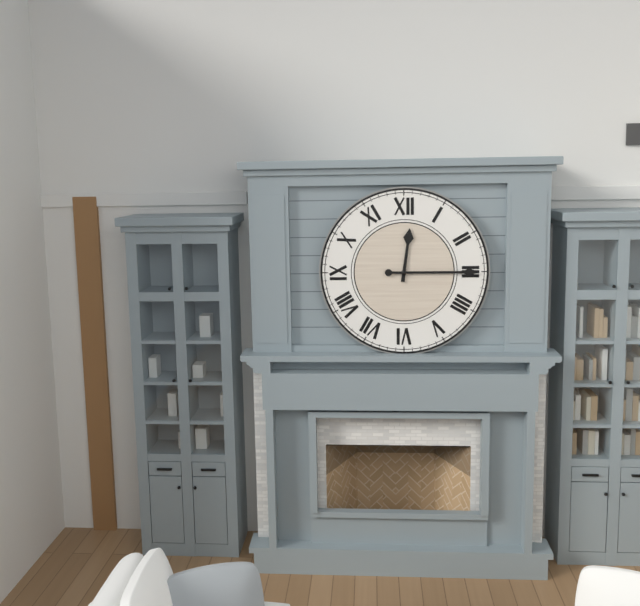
12:15
